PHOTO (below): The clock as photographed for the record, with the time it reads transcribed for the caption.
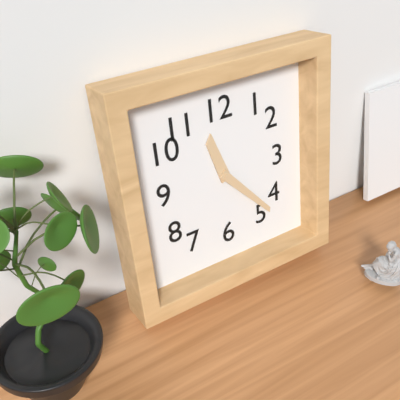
11:23
